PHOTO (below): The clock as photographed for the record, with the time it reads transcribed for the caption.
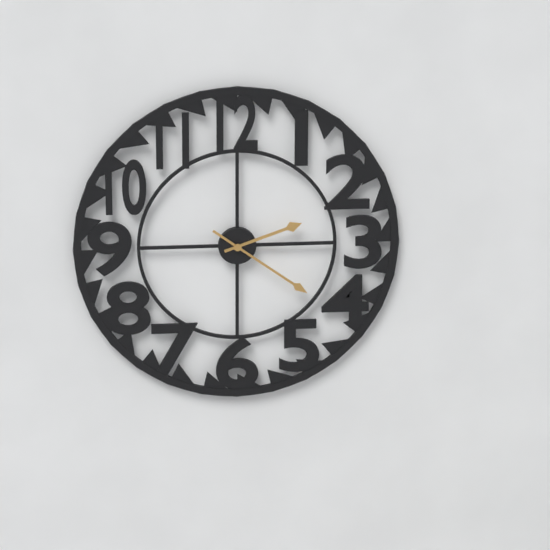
2:21
